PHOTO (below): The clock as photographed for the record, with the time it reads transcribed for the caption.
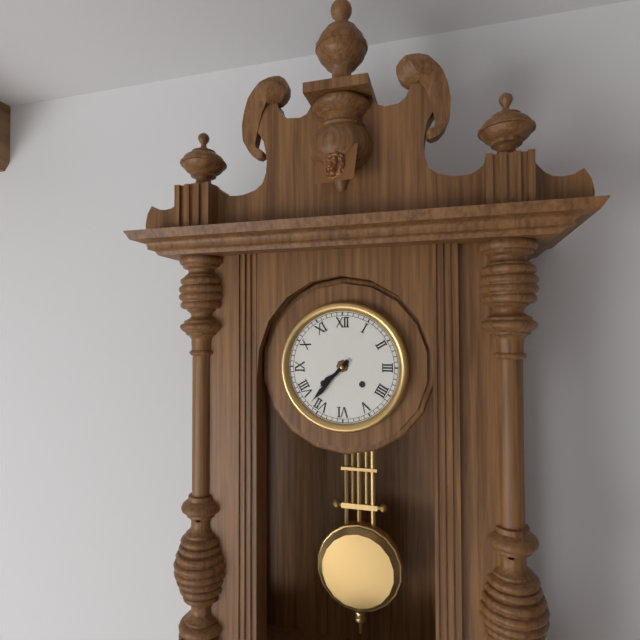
7:37
